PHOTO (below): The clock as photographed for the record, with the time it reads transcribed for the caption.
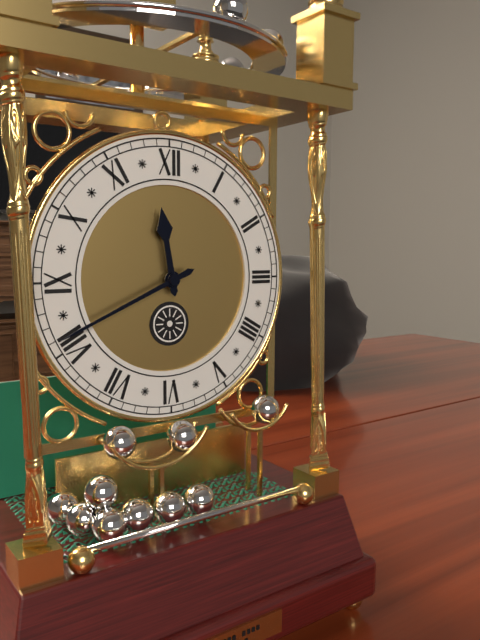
11:41
